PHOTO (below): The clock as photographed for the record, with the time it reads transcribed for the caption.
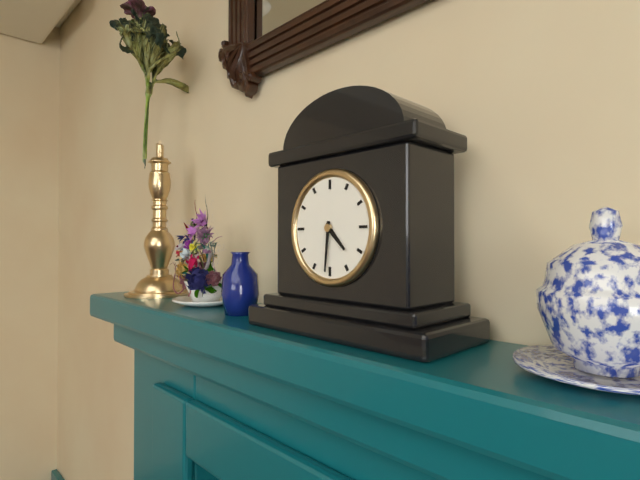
4:31
